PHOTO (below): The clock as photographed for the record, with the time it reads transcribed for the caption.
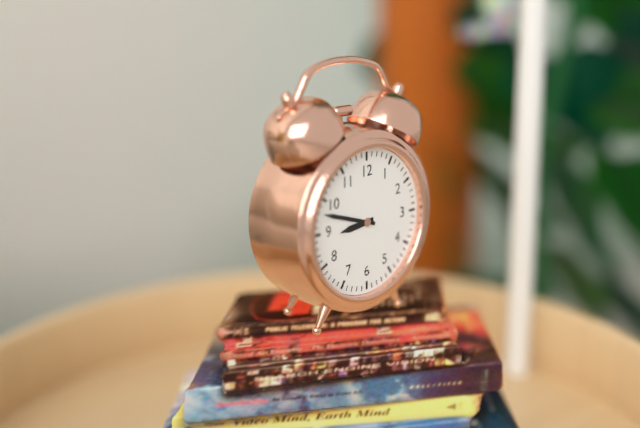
8:48
